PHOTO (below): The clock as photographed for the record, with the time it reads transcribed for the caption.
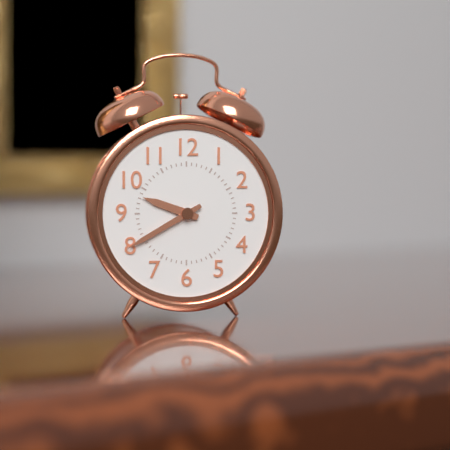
9:40
